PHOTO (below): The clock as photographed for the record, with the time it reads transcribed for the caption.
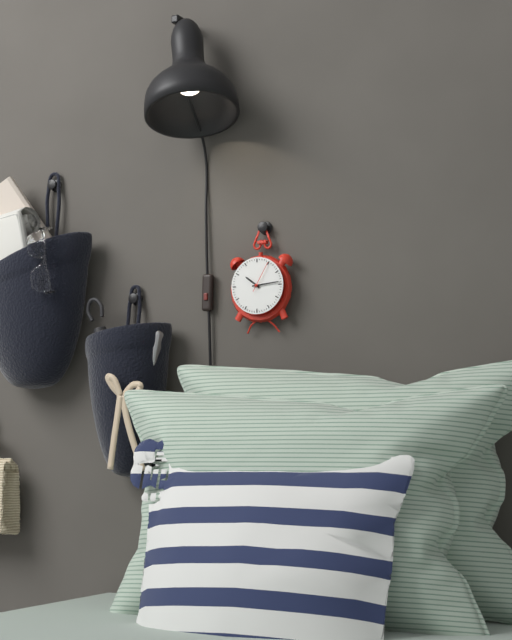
10:14
